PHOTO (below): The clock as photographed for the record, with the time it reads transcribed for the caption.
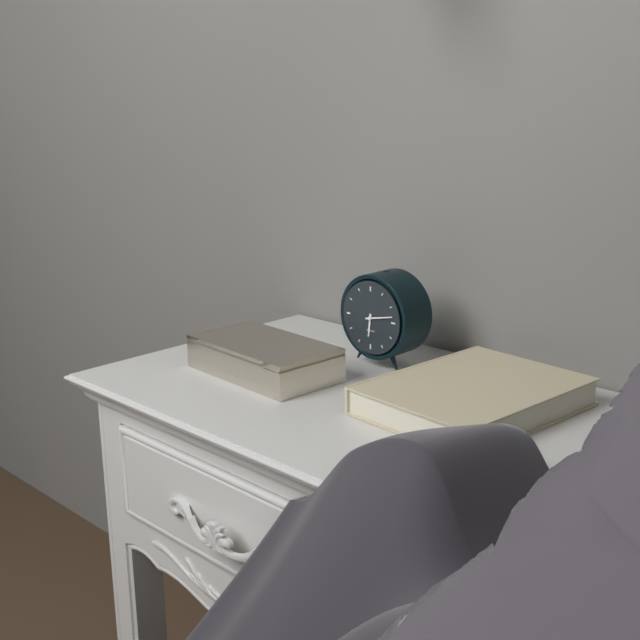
6:13
